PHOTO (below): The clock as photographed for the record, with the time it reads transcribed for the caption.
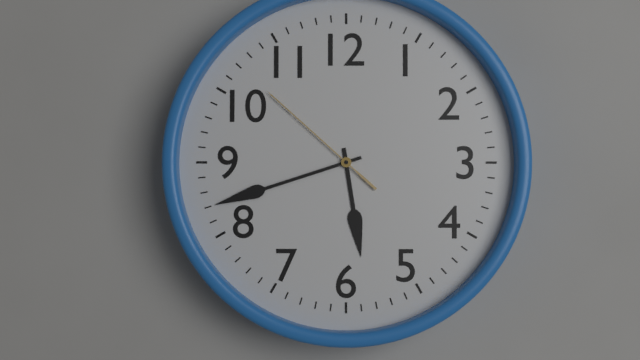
5:42:52
